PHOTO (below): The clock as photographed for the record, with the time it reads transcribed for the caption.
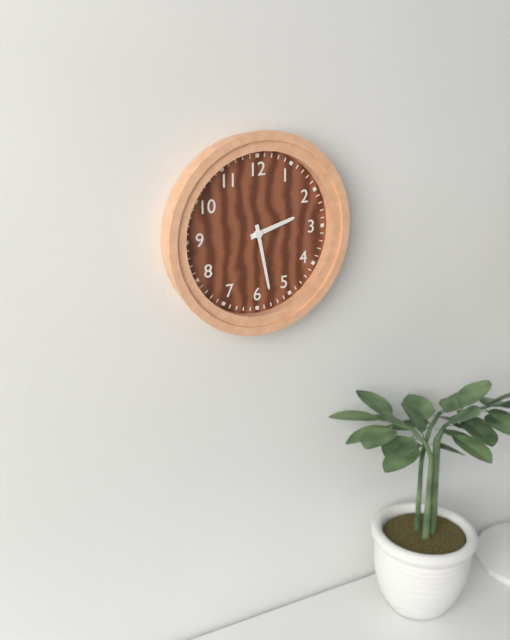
2:28
